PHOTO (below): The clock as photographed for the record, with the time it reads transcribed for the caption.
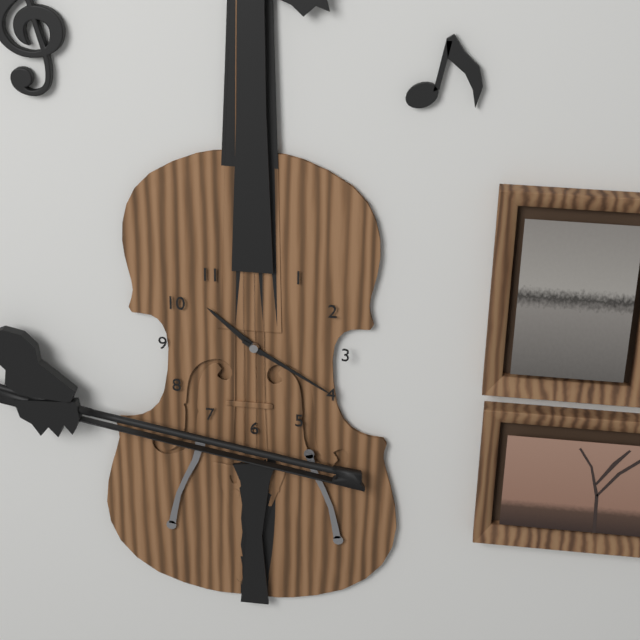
10:20
